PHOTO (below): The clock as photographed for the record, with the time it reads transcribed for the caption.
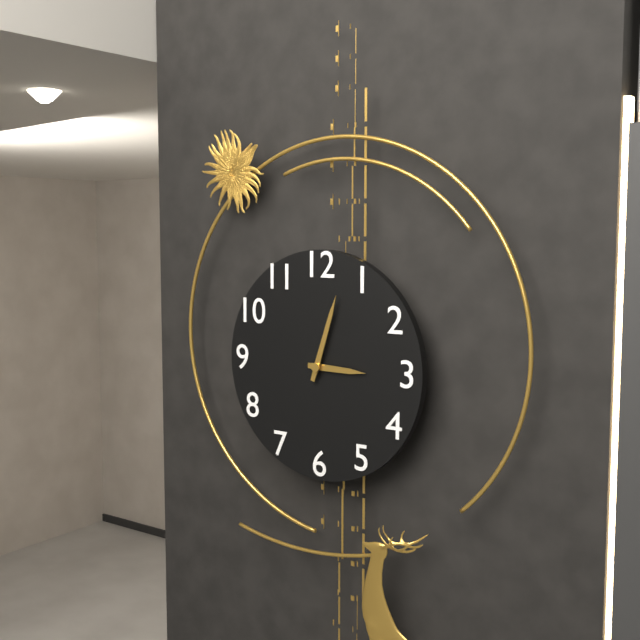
3:03
